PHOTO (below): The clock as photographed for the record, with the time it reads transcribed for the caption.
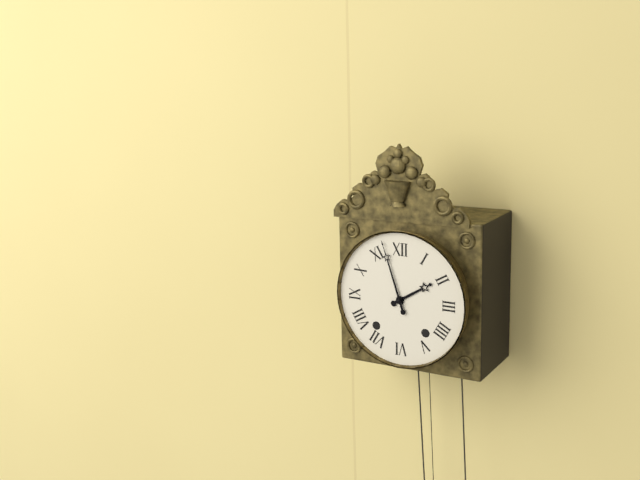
1:57
